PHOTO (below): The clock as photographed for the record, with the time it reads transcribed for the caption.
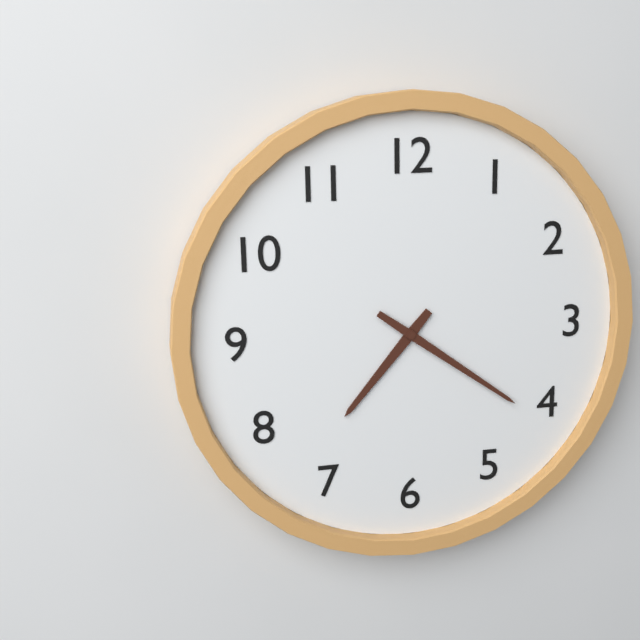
7:21
